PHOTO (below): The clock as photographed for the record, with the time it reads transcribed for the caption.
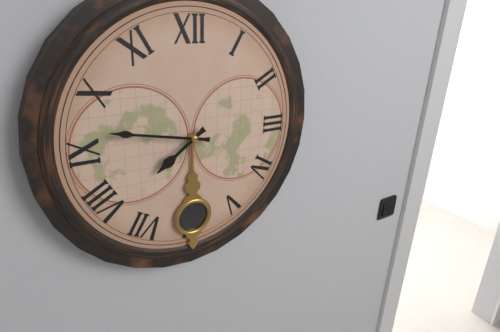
7:47
